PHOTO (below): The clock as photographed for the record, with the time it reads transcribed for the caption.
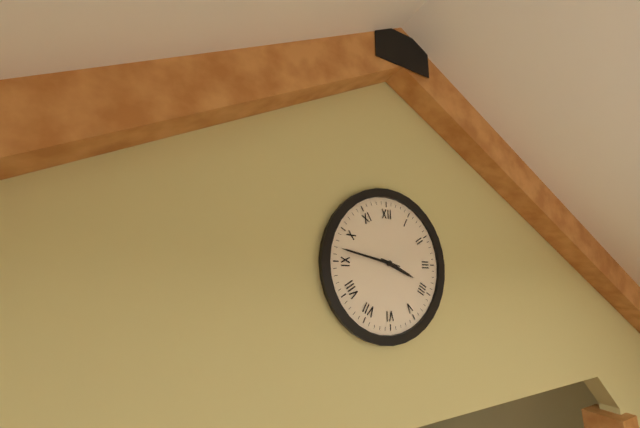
3:47
